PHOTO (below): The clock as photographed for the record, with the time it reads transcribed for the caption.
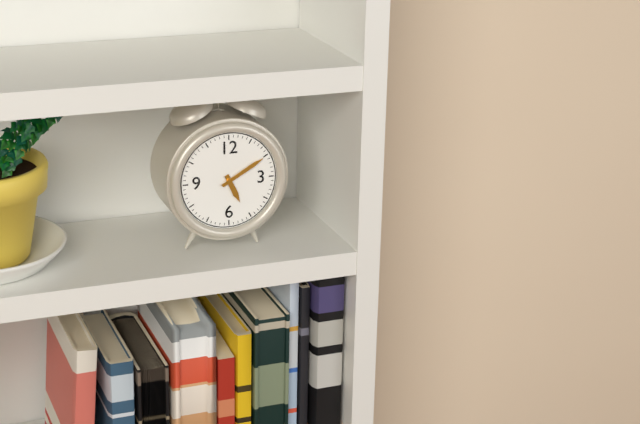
5:10
